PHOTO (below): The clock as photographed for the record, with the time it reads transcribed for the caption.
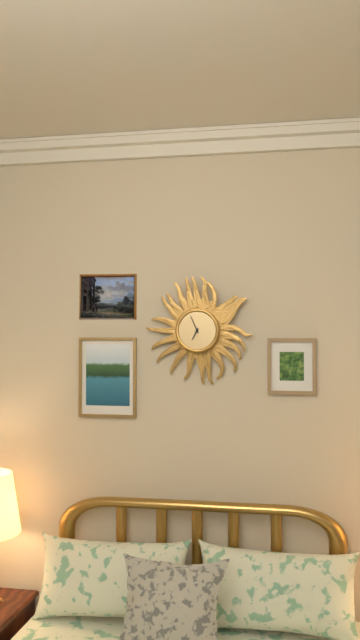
6:56
